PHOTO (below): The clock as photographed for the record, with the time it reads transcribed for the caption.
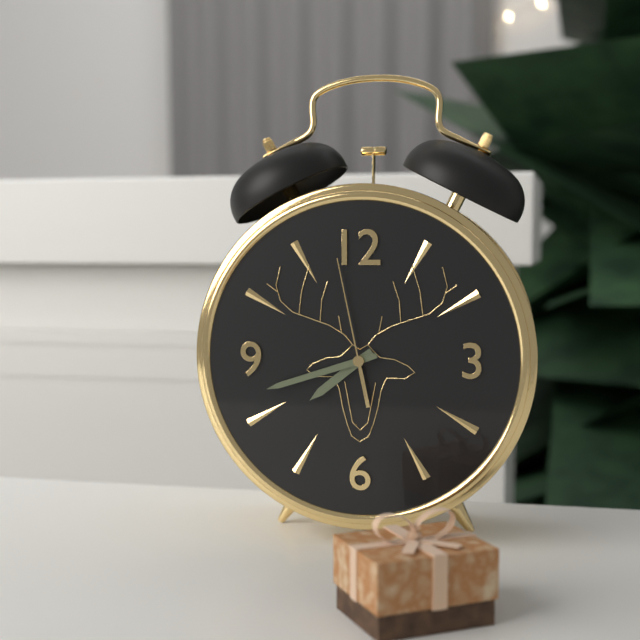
7:42:58
